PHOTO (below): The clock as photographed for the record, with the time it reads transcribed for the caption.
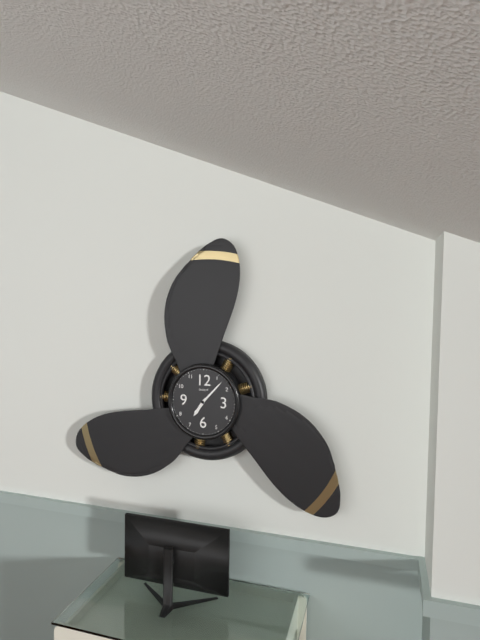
7:07
